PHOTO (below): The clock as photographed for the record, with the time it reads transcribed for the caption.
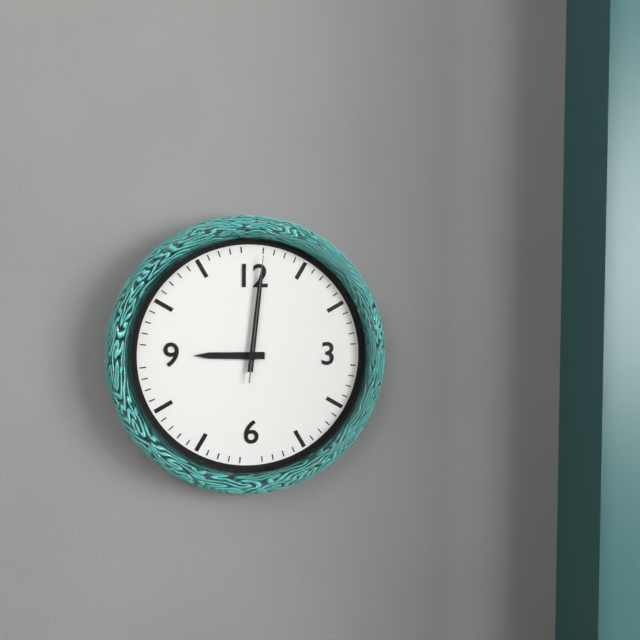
9:01:01
